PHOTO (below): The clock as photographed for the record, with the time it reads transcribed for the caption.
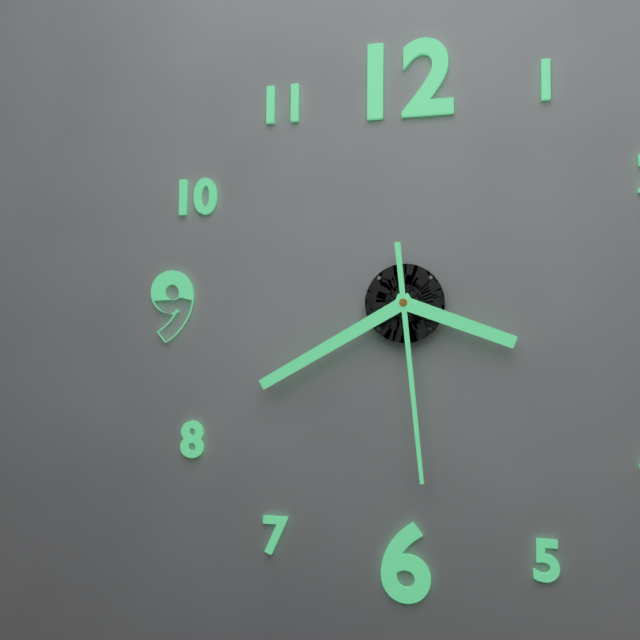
3:40:29
